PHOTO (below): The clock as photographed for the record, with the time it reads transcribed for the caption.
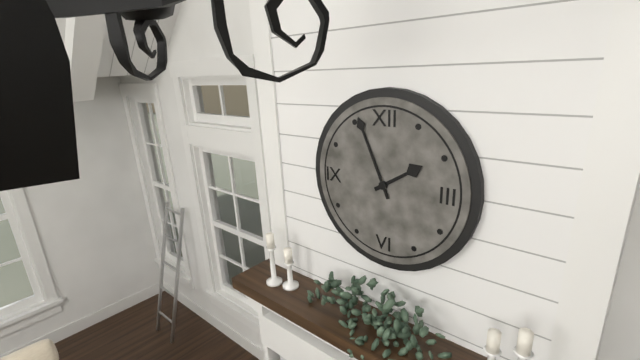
1:56
